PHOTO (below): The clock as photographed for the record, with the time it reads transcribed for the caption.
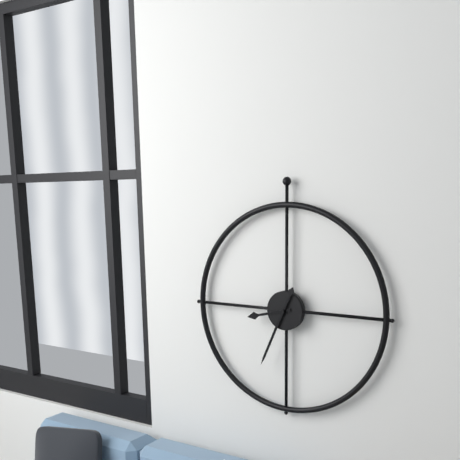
8:34
